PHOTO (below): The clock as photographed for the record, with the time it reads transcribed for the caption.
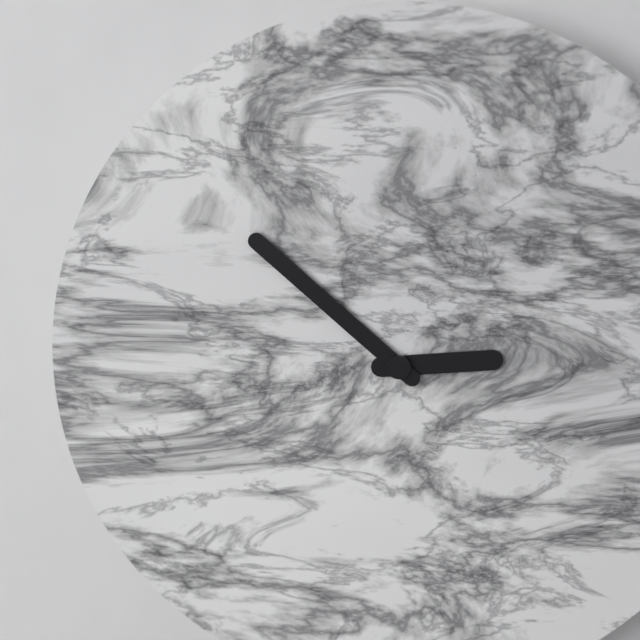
2:52
